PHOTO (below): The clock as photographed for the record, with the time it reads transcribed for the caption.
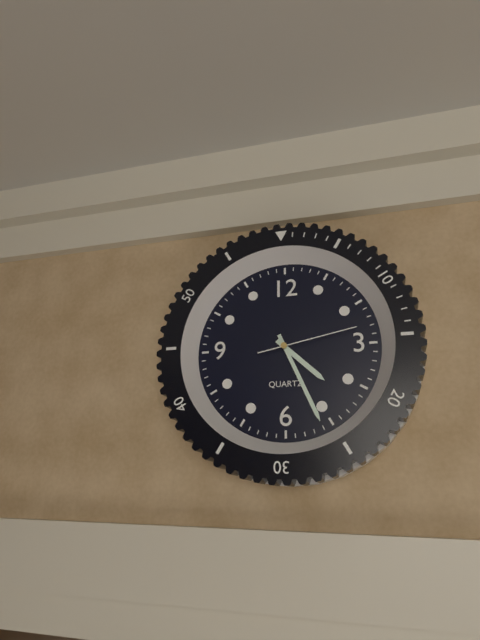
4:26:13
